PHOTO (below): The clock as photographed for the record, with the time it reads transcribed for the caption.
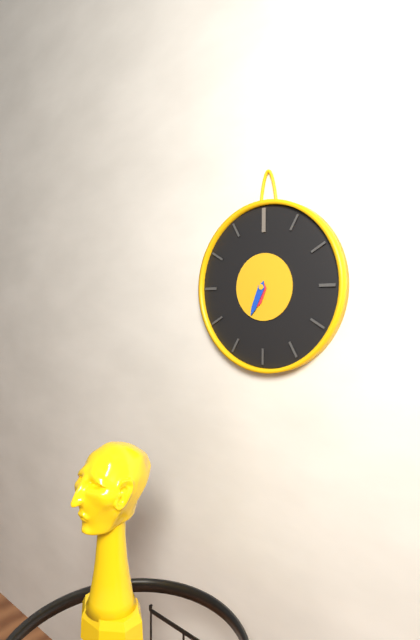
6:34
